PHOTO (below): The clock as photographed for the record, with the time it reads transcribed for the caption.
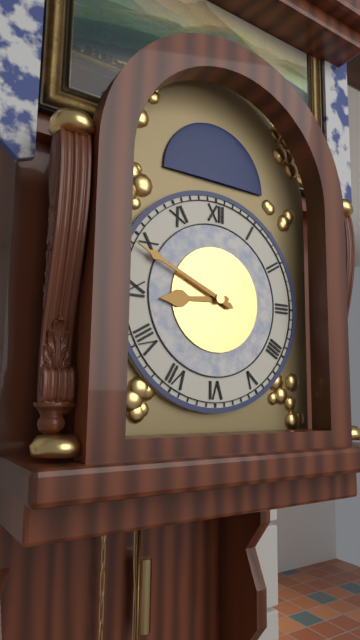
8:49
